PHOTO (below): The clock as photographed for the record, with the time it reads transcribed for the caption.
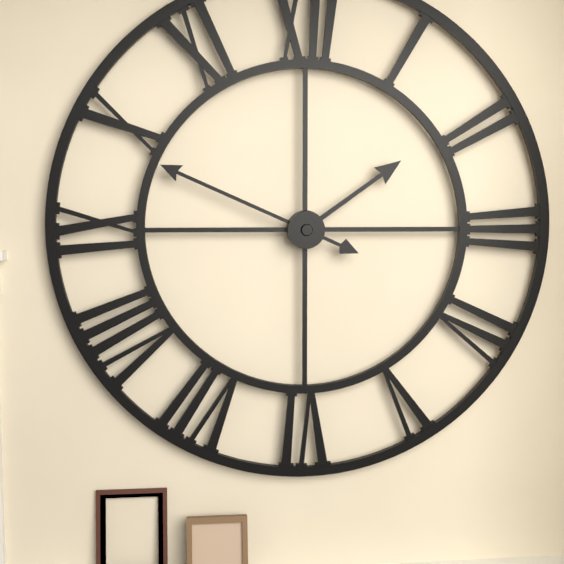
1:49
